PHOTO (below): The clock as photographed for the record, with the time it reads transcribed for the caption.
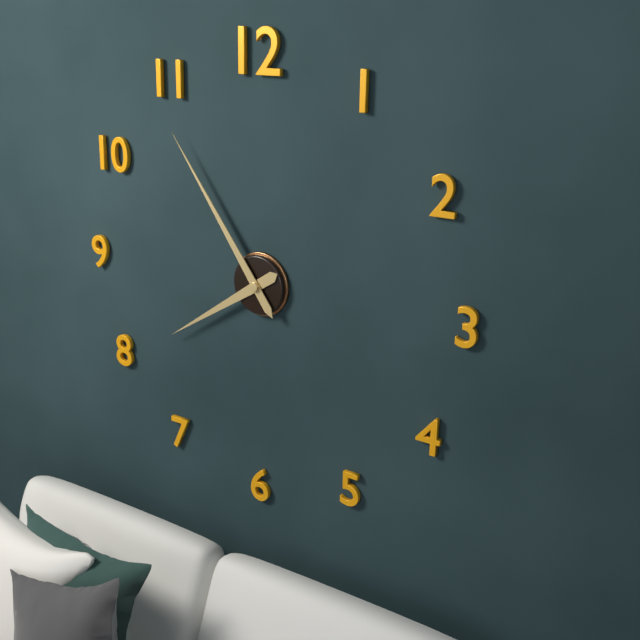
7:54
